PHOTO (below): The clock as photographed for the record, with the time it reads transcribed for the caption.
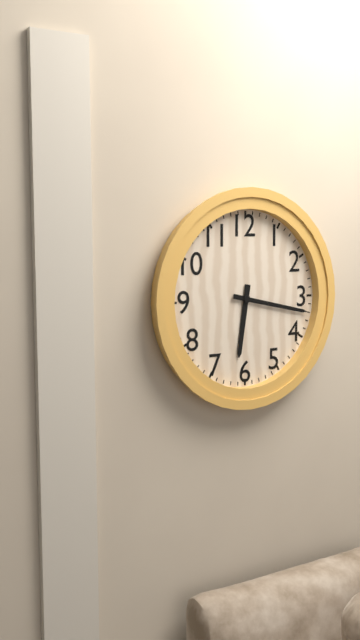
6:17
